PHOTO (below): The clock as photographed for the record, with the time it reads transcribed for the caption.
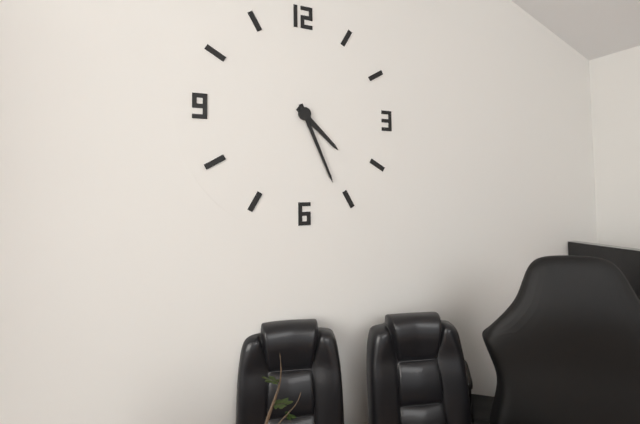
4:26
